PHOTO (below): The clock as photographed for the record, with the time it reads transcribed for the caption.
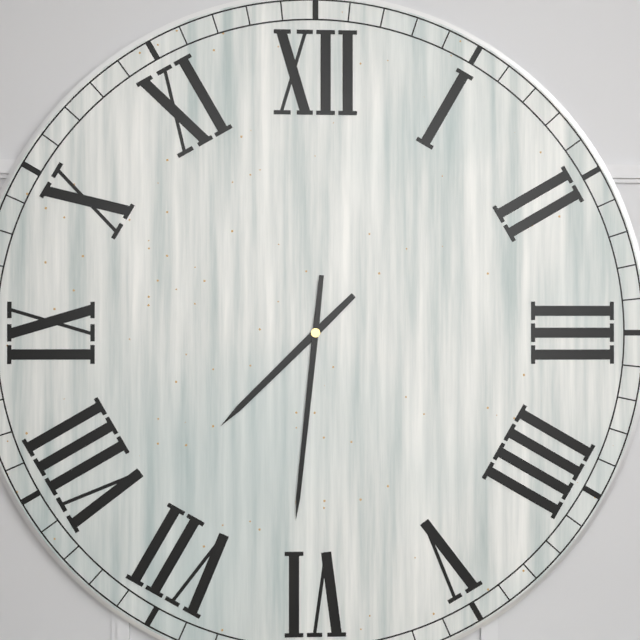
7:31
